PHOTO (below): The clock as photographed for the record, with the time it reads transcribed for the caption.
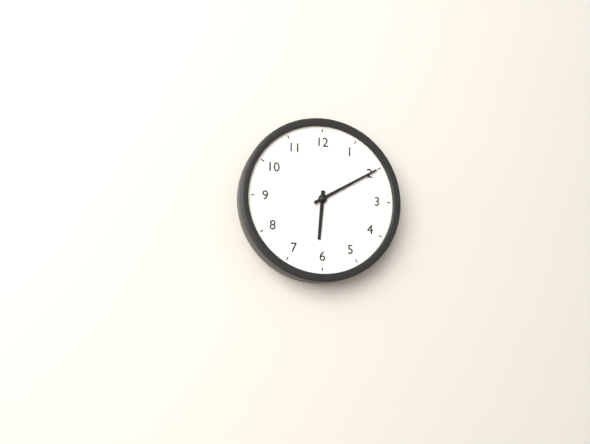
6:10
